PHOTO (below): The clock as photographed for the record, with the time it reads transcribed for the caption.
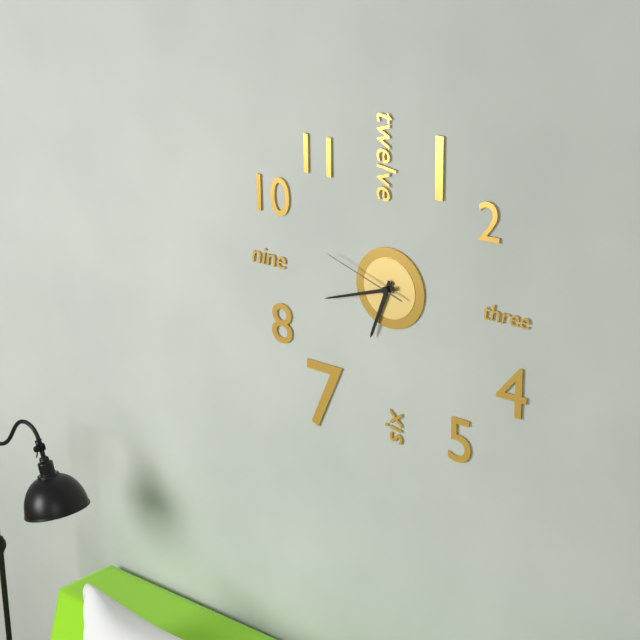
6:42:48
